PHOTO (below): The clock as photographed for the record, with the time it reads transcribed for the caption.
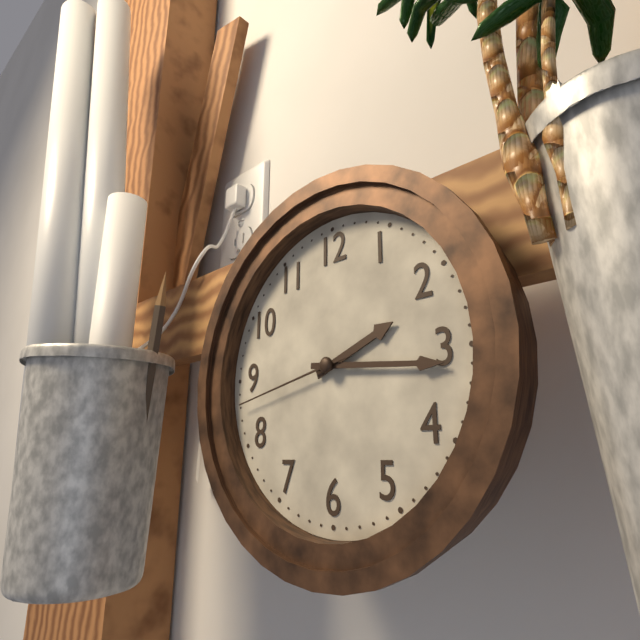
2:16:43
